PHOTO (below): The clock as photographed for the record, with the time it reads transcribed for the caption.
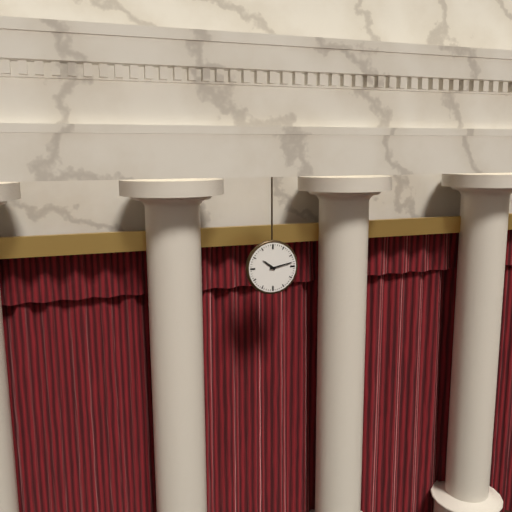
10:13
